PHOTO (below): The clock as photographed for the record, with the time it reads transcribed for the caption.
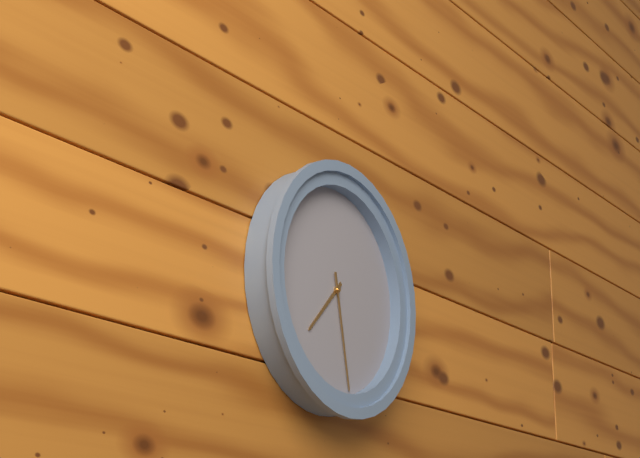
7:28
